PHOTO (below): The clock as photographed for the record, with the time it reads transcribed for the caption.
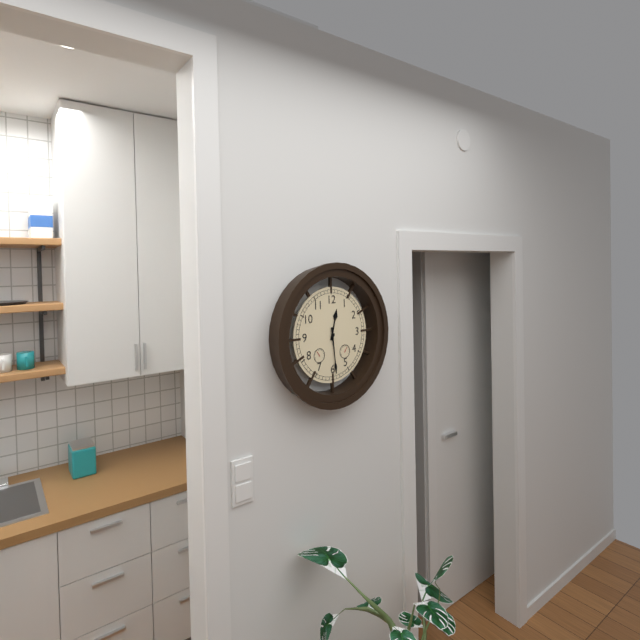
12:29
